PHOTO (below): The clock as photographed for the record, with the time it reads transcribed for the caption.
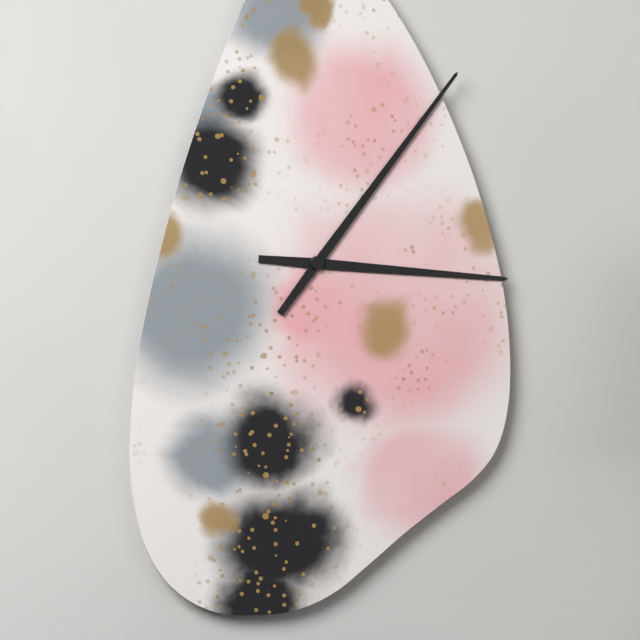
3:06
